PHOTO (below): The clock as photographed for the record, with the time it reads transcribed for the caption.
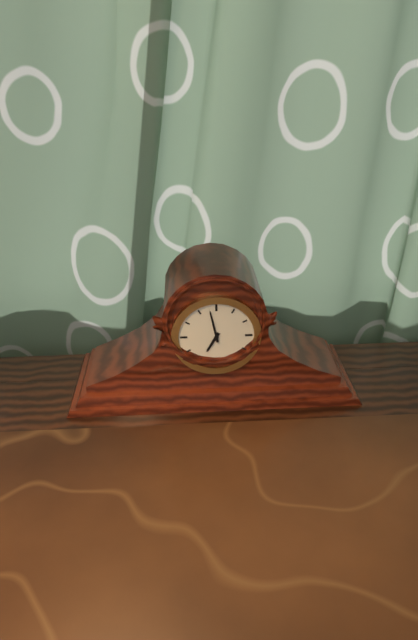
6:58
